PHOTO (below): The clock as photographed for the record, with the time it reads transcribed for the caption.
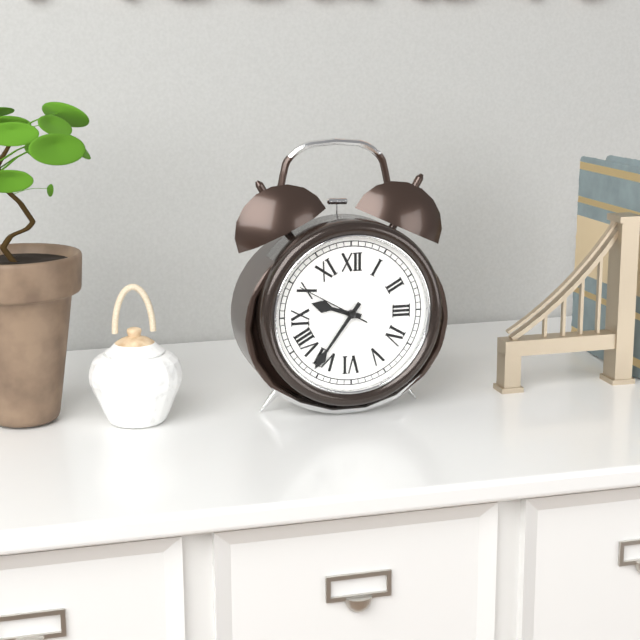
9:36:50
